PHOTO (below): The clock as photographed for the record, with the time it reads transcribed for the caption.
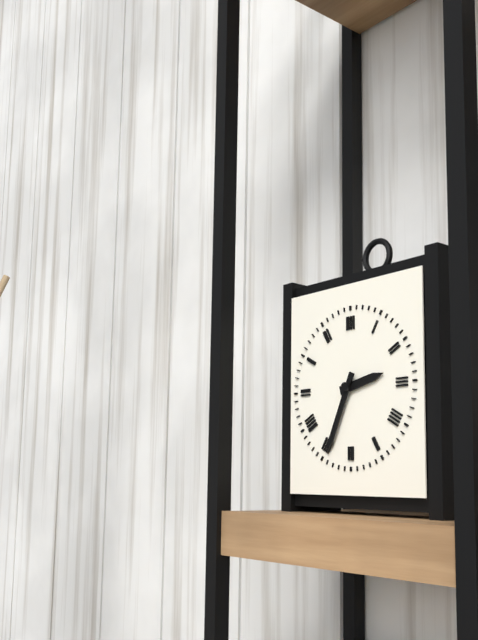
2:34
